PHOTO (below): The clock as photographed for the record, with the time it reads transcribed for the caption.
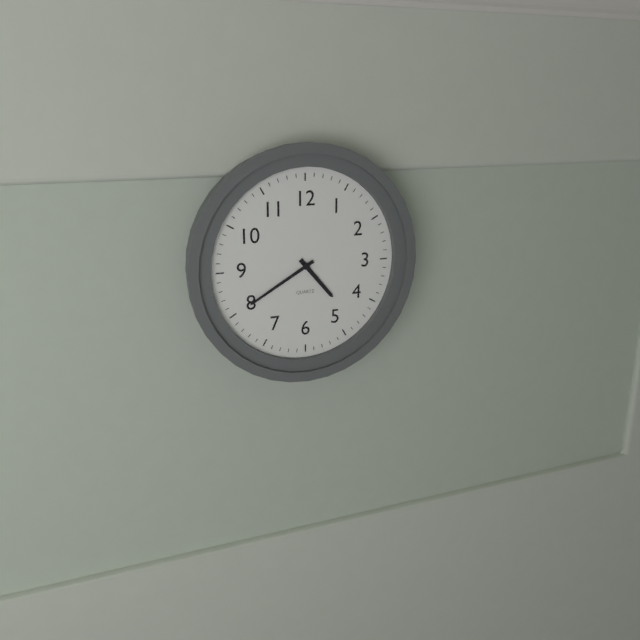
4:40
